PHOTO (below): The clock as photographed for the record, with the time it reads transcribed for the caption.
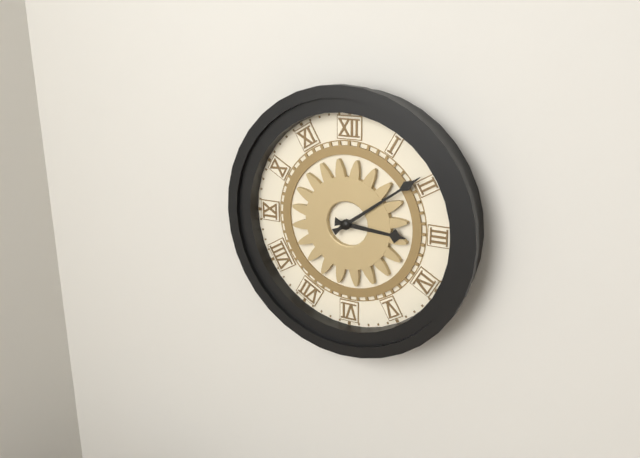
3:09
